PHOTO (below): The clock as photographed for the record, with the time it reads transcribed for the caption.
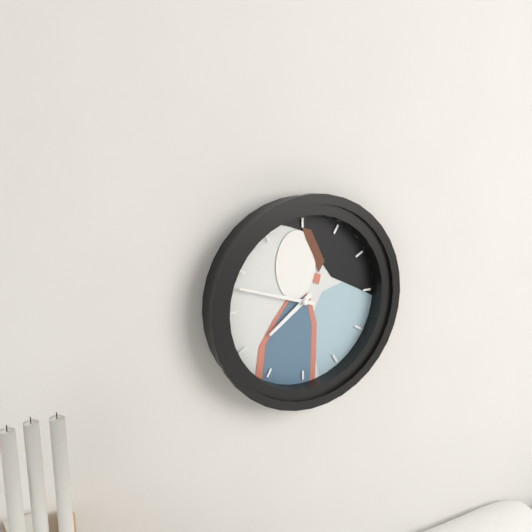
7:48
